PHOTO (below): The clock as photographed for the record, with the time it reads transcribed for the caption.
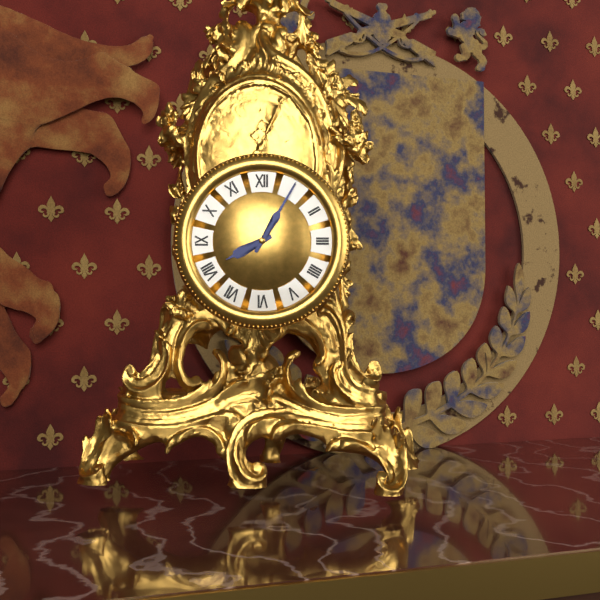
8:05
